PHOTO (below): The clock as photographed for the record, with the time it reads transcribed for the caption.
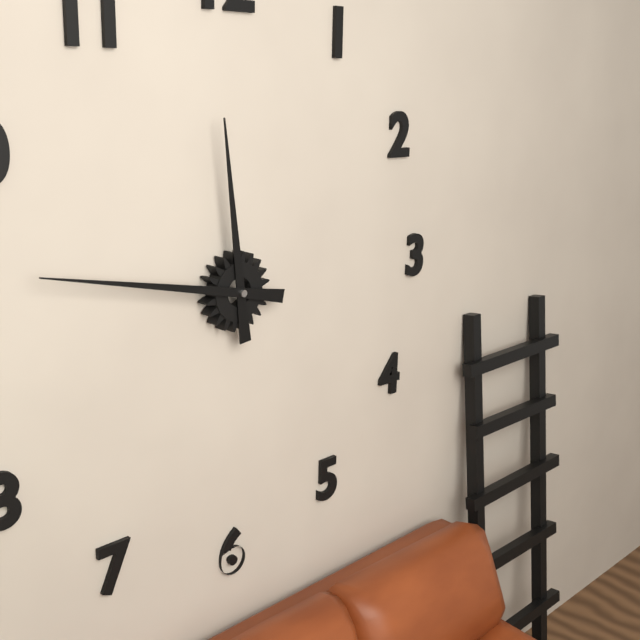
11:47
